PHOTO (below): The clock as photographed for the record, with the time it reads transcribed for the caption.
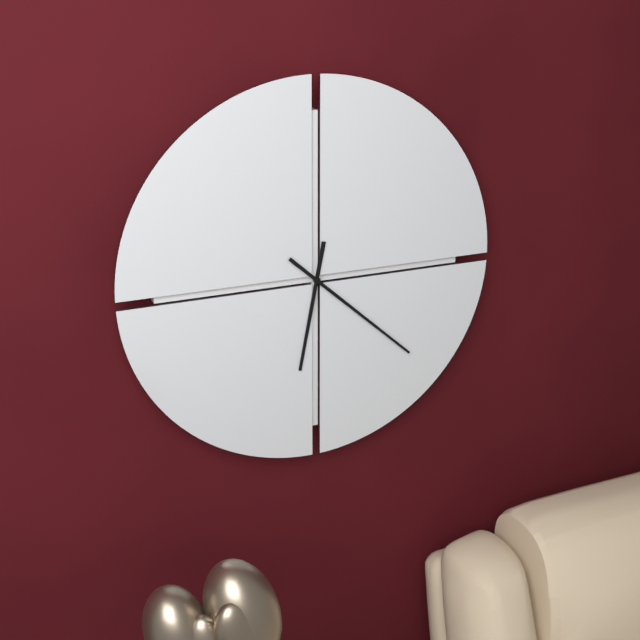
6:22
